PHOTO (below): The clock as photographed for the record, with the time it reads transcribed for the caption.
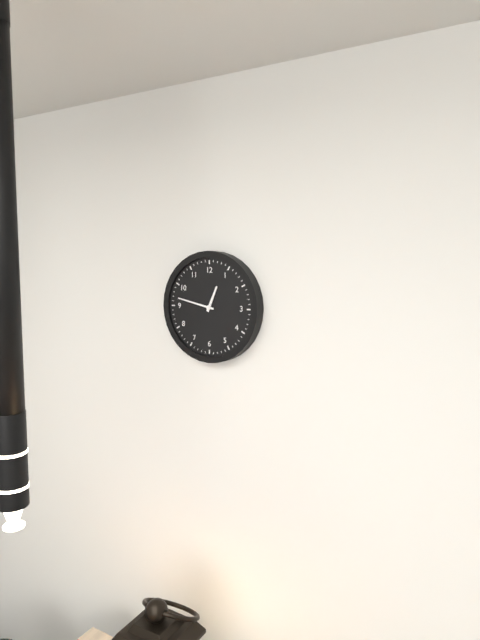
12:47
